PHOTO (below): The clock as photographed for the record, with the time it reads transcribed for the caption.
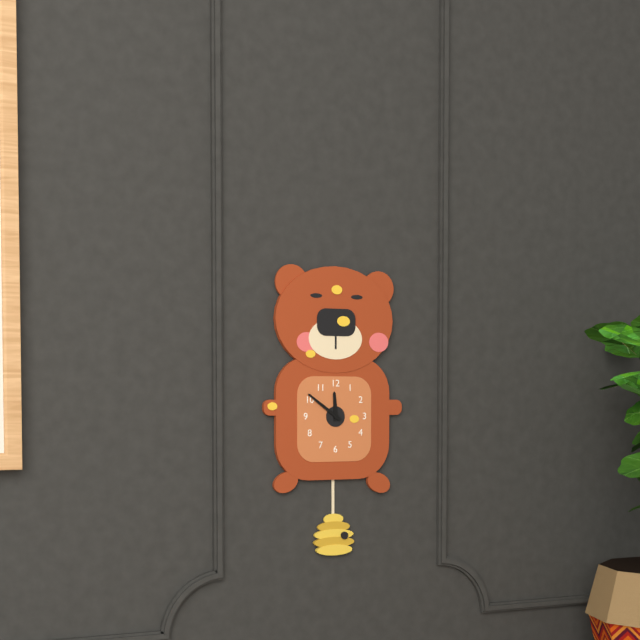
11:51
